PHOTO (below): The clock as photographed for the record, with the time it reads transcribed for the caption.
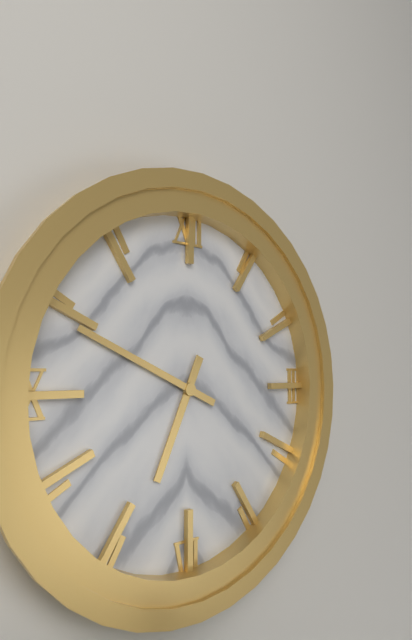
6:49
